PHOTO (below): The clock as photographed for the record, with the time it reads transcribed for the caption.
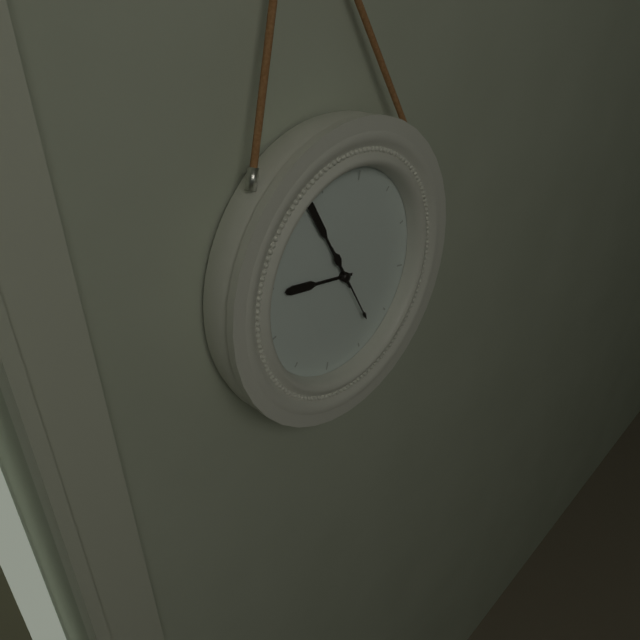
8:53:23
